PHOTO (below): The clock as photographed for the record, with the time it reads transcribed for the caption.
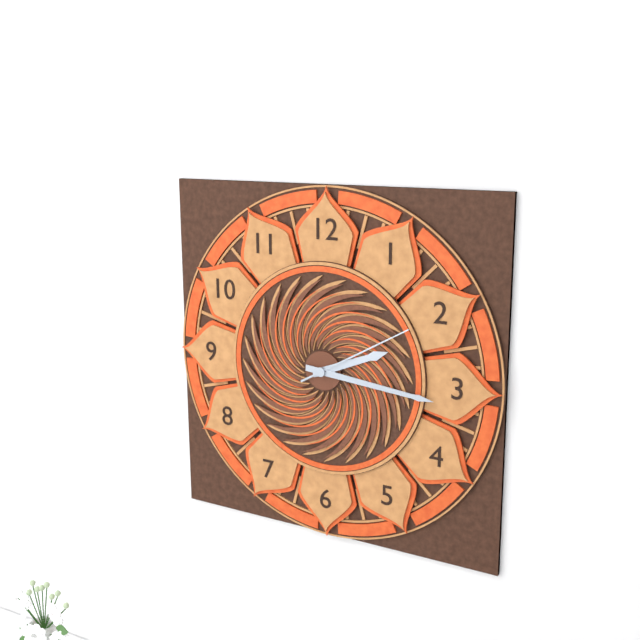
2:16:10
